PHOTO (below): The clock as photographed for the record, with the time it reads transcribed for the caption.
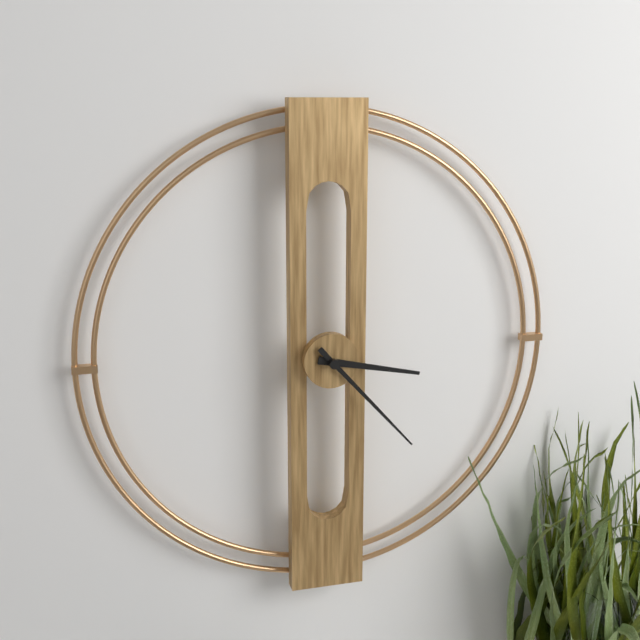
3:23
